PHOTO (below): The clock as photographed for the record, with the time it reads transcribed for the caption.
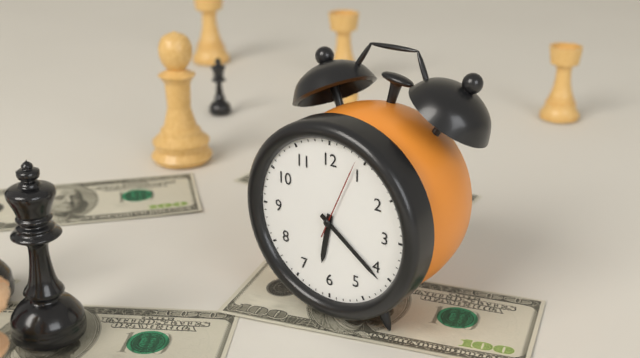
6:21:04
